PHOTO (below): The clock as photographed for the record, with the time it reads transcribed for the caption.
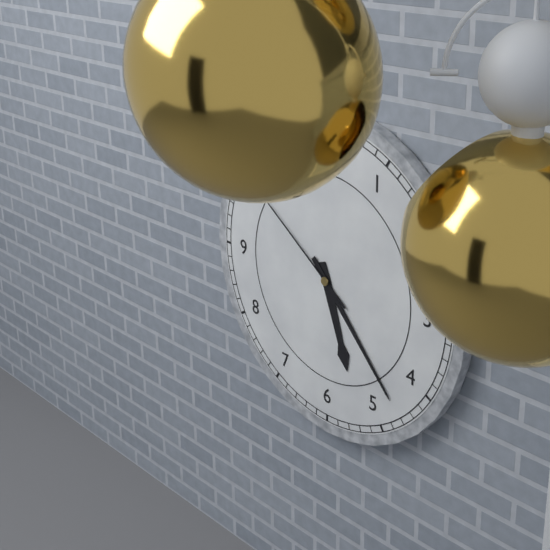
5:23:51
